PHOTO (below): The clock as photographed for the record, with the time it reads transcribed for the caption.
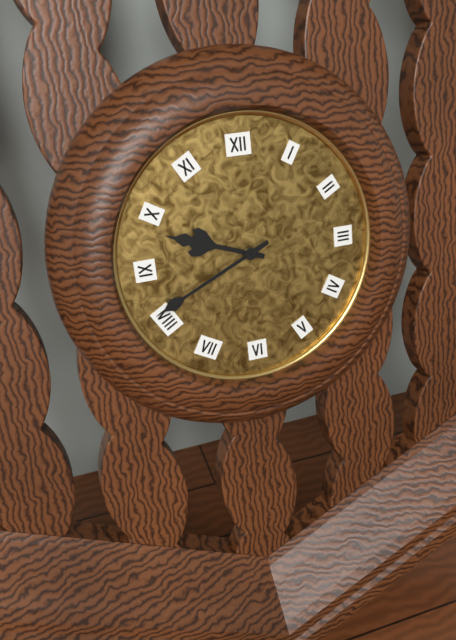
9:41
